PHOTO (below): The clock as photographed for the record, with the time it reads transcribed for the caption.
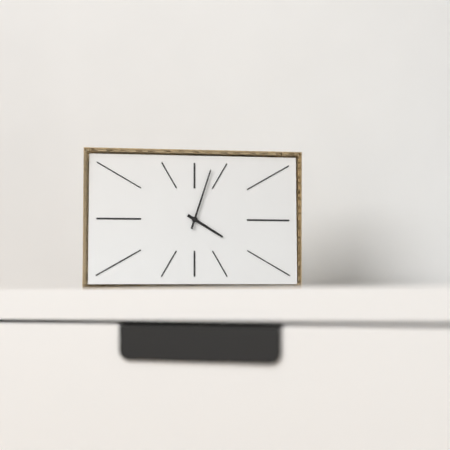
4:03
